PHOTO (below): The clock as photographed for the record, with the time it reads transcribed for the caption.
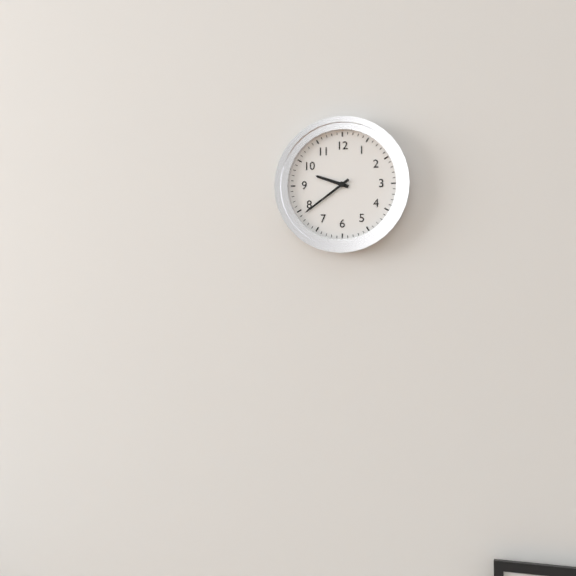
9:39
